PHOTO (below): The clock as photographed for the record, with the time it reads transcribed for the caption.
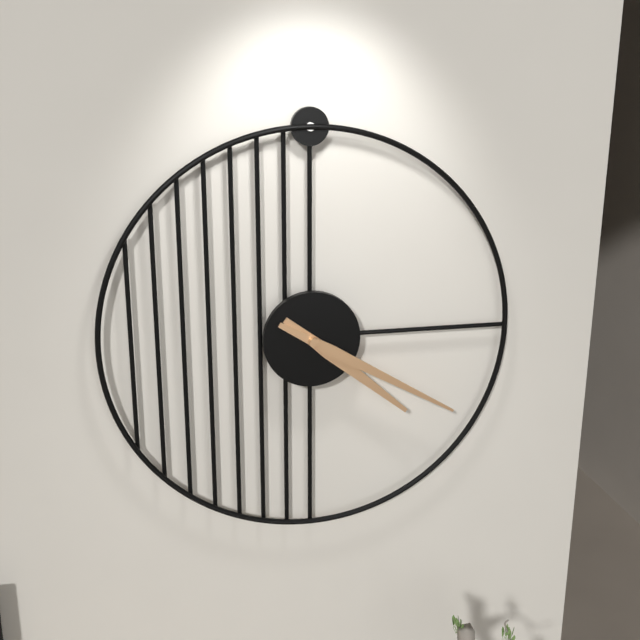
4:20
